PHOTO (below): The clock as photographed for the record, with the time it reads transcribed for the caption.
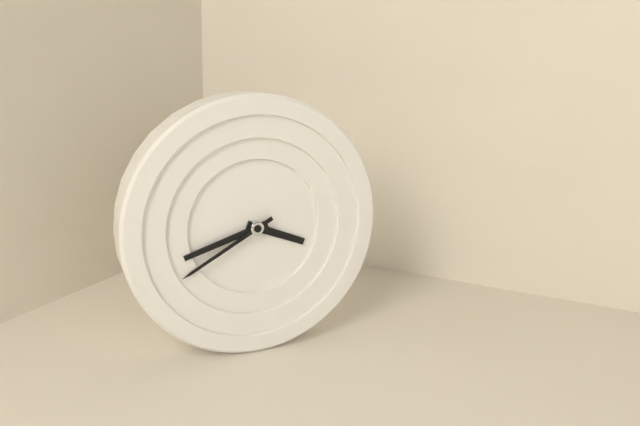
3:42:40
